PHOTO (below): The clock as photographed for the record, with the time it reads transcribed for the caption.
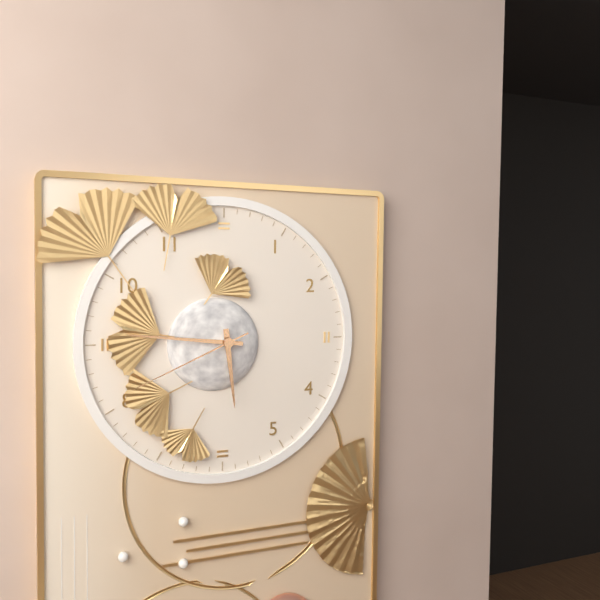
5:46:41
